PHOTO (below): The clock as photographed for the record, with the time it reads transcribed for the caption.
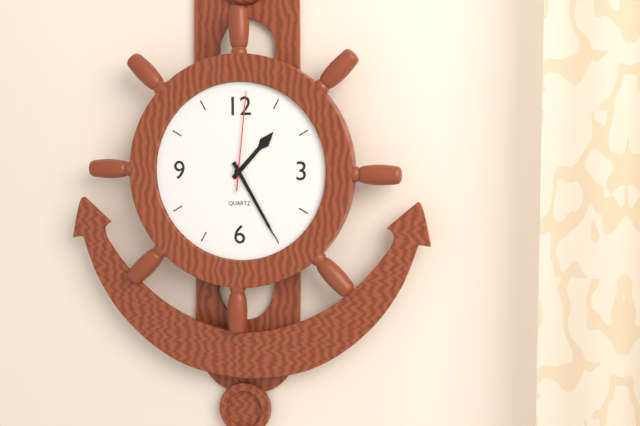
1:25:01
